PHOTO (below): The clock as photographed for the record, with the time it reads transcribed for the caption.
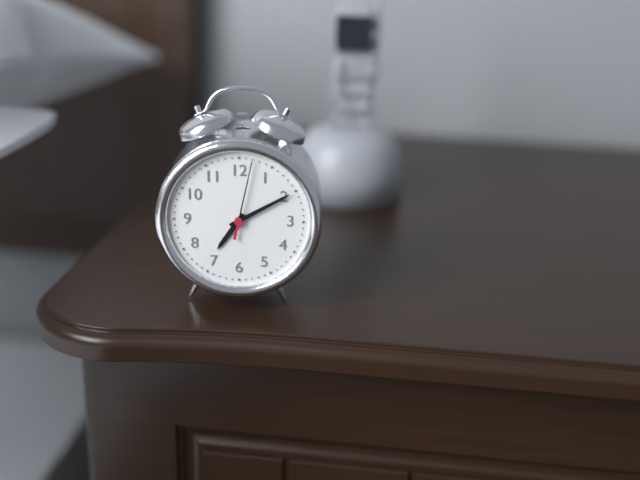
7:10:02
